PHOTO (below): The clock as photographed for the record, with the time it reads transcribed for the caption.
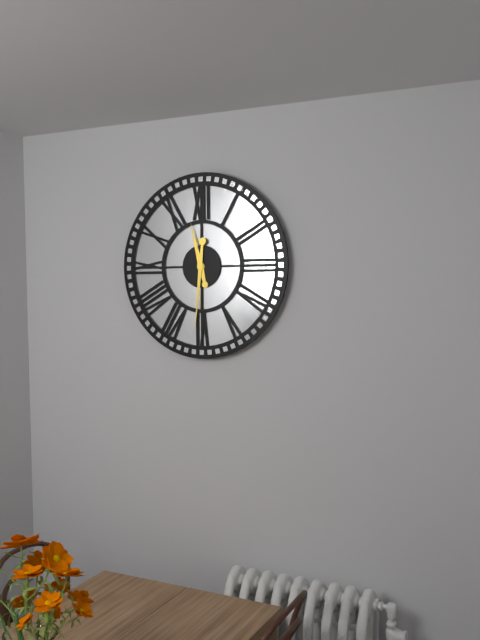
11:31
